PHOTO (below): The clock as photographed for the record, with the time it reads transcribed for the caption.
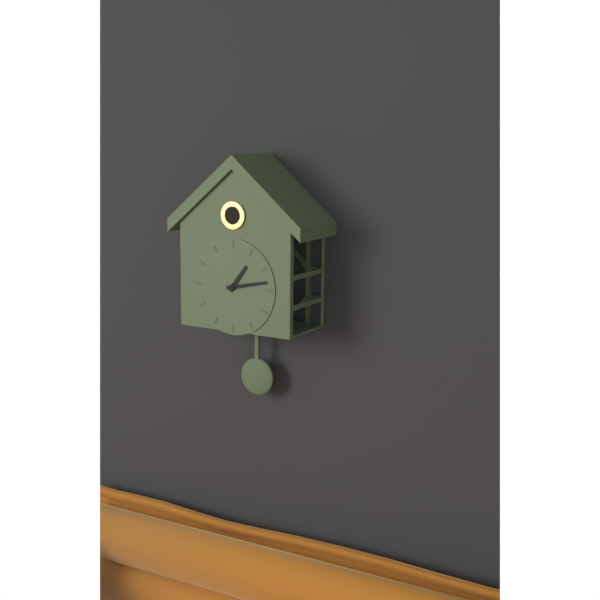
1:13
